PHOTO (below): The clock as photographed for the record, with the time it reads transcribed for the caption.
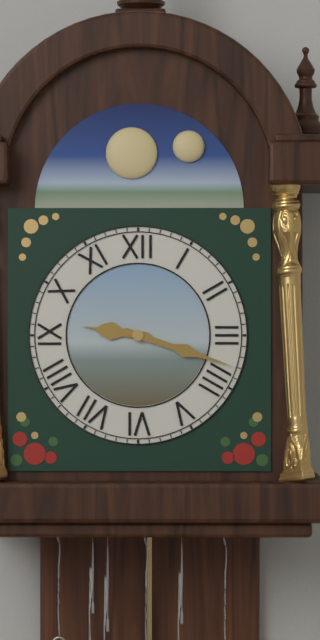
9:18
